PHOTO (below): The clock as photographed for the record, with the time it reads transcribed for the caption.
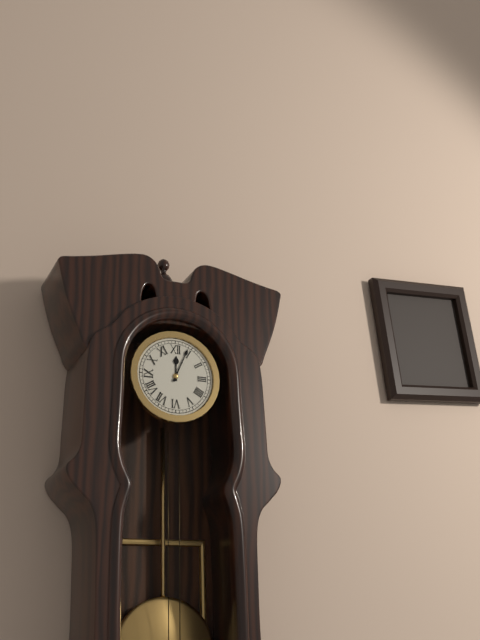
12:04
